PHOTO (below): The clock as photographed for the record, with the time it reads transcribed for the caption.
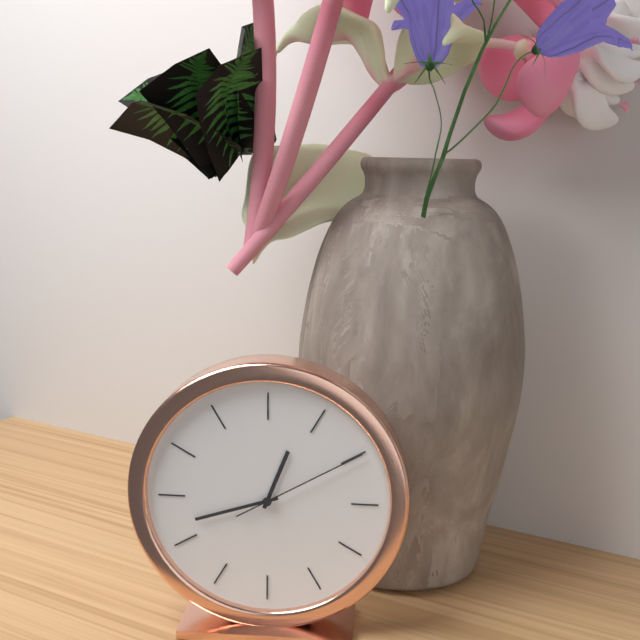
12:42:10
